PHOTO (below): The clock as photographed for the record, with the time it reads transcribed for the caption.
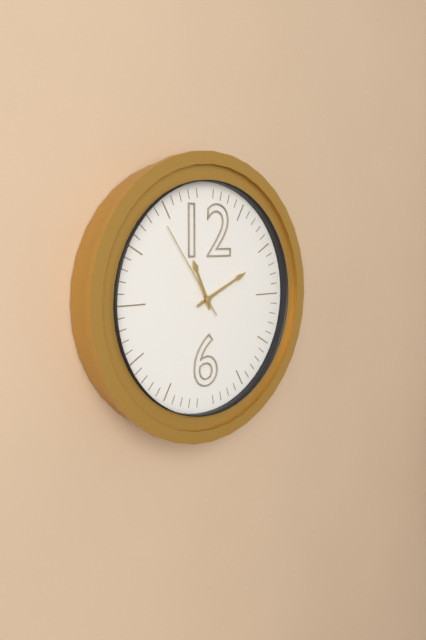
11:11:54
